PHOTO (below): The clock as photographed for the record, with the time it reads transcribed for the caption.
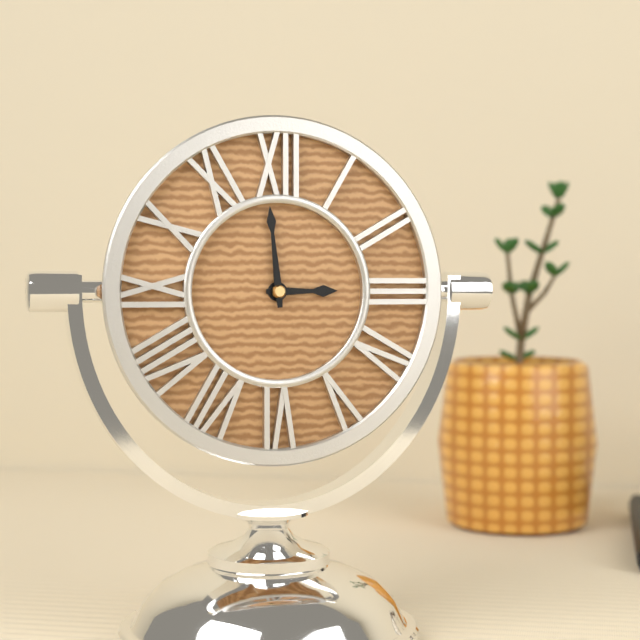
2:59
